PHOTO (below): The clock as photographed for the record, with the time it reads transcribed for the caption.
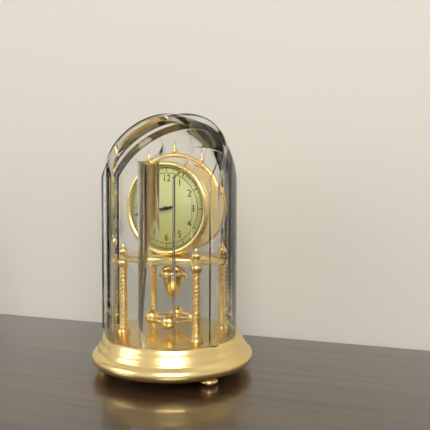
8:43
